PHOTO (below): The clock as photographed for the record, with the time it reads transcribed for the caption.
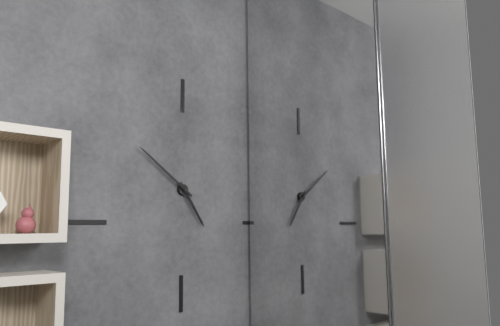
4:51
